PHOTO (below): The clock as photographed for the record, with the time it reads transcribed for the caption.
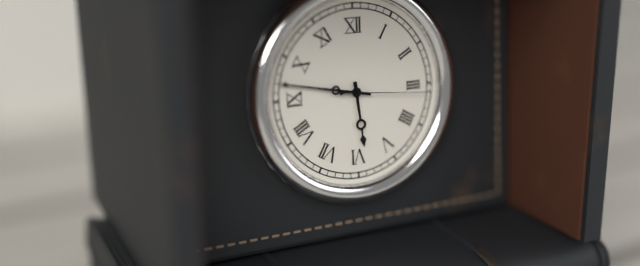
5:47:16
